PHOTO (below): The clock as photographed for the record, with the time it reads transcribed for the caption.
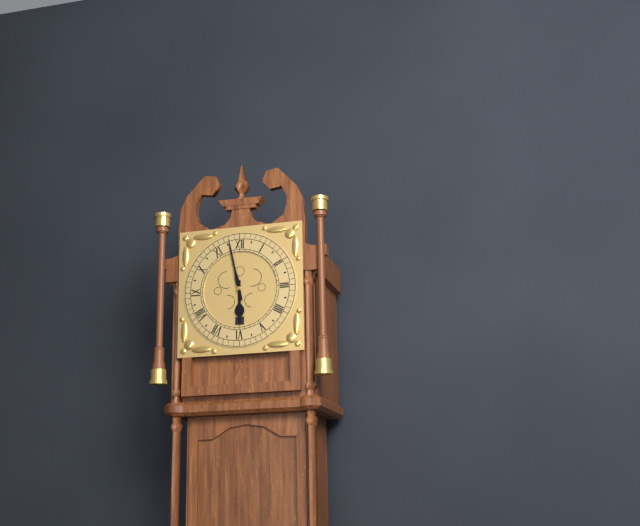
5:58
